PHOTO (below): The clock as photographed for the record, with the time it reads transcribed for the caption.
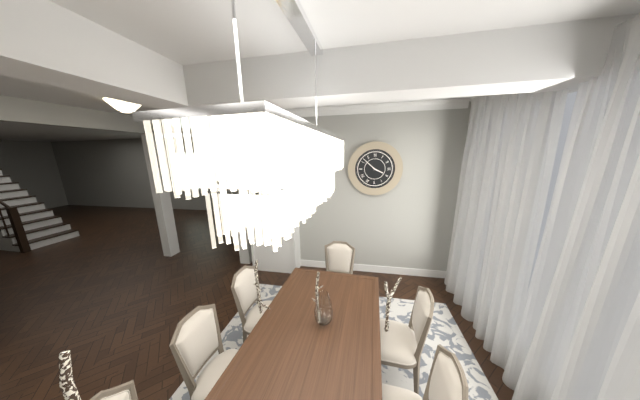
3:52
